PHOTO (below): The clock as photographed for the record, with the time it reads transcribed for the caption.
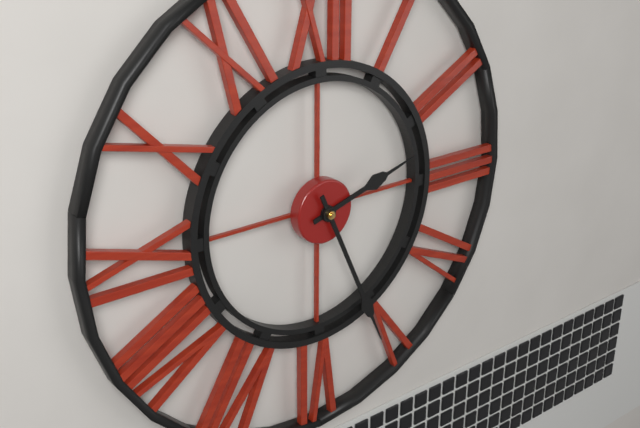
2:26
